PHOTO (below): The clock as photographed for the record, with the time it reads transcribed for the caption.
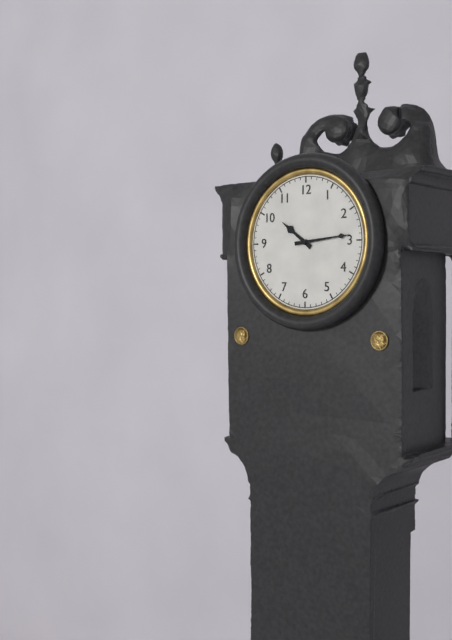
10:14
